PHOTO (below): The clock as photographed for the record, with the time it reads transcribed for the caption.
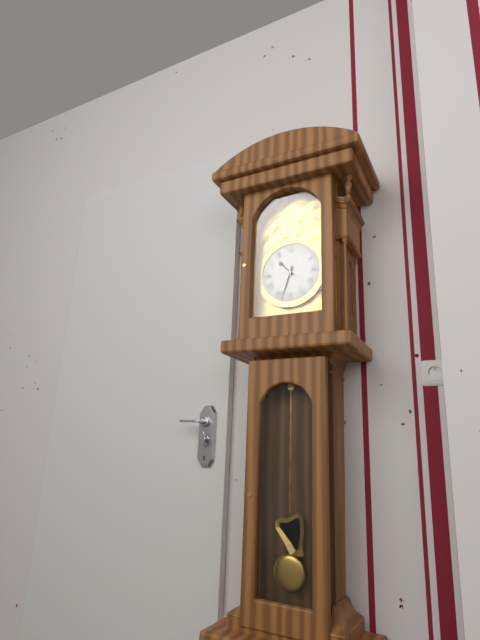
10:33
